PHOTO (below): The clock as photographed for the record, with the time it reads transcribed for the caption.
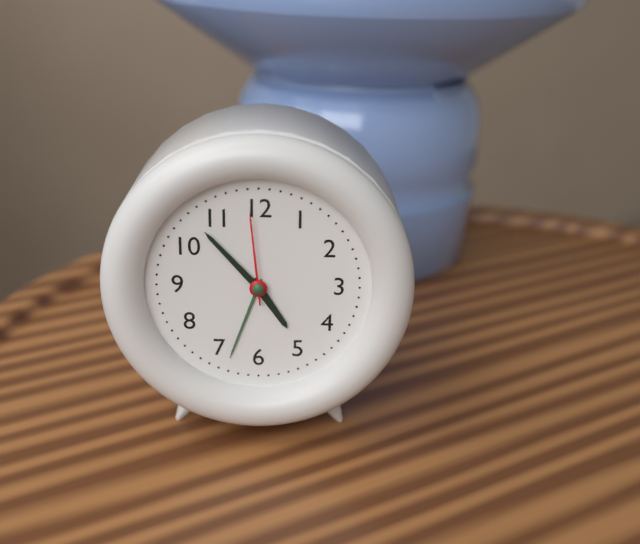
4:53:59
